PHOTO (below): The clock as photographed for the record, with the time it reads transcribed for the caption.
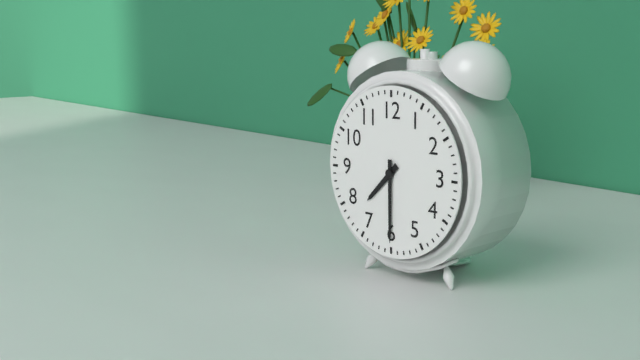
7:30
